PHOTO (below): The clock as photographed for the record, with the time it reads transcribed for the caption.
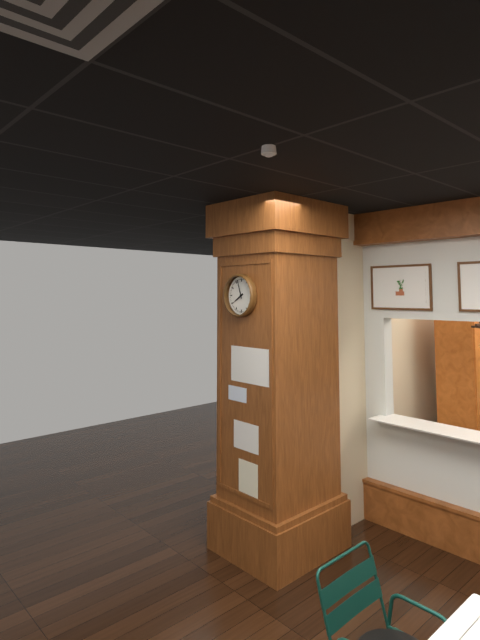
7:57
